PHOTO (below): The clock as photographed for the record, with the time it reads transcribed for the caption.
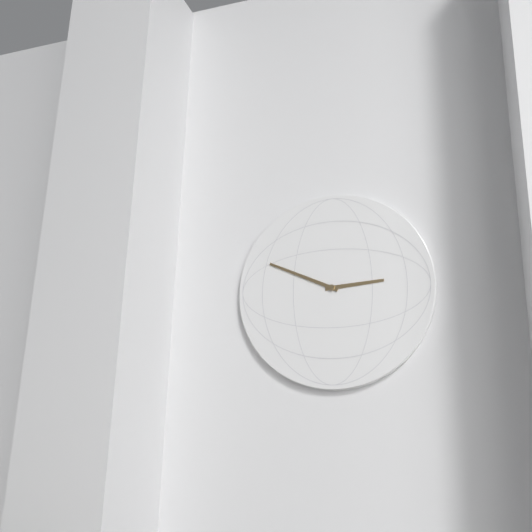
2:49
